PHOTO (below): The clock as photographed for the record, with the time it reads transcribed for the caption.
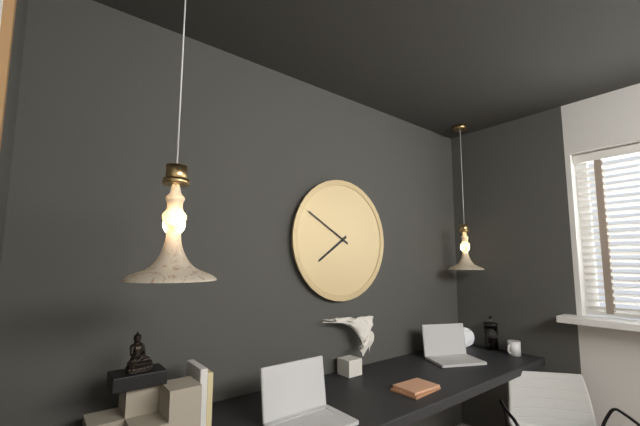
7:50
